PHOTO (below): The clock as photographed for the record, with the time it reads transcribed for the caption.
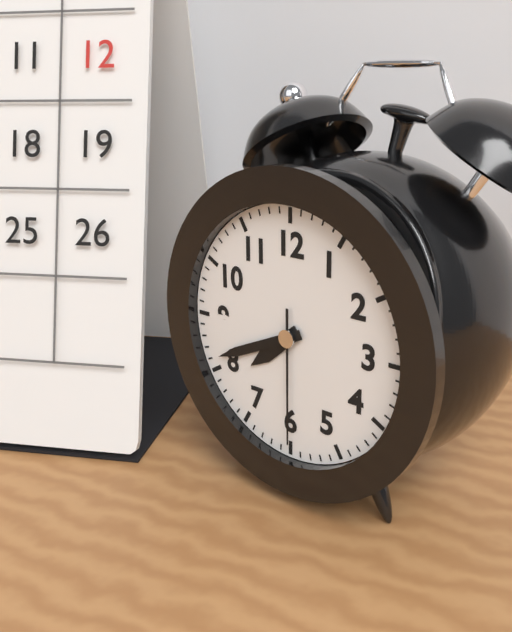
7:41:30
